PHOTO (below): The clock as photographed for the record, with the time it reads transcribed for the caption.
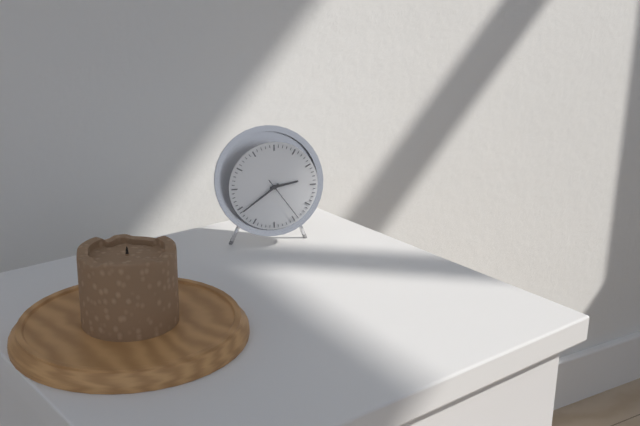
2:39:24
